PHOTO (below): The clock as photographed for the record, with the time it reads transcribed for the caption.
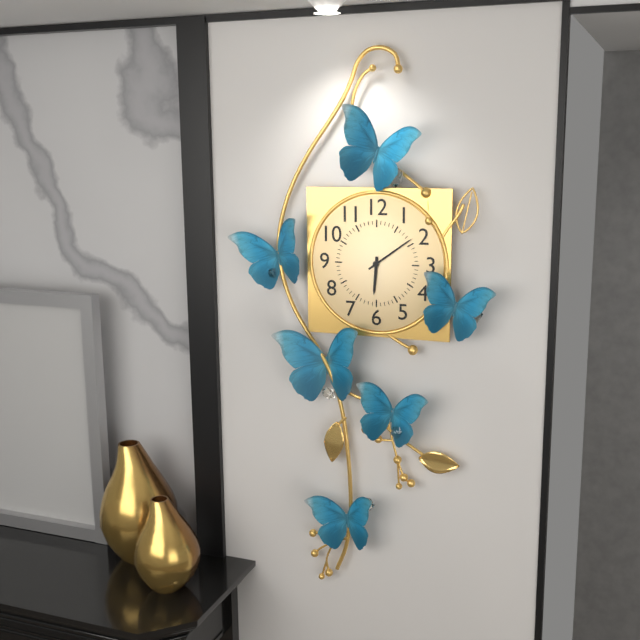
6:09
